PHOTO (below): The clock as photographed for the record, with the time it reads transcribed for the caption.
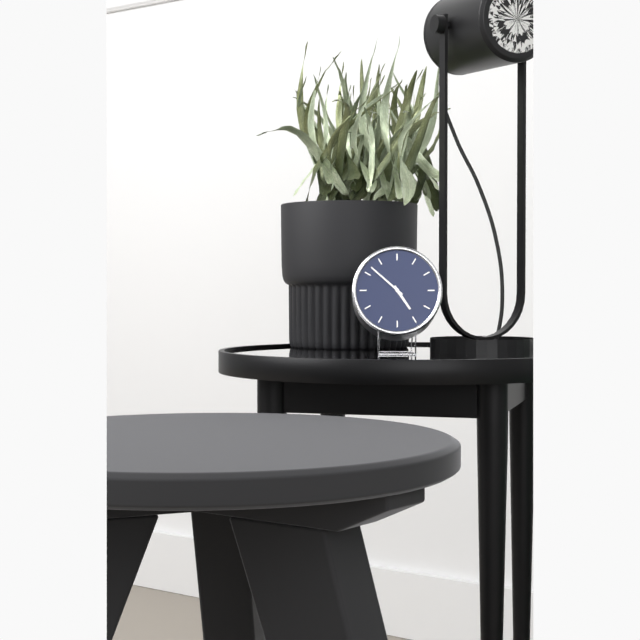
4:52
